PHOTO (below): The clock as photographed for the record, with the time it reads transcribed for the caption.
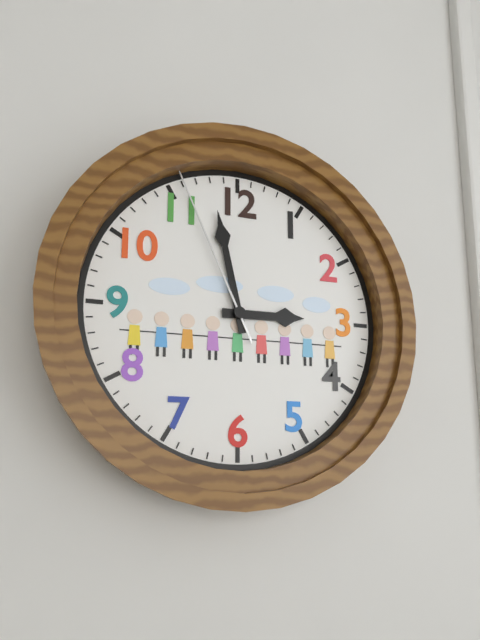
2:58:56
